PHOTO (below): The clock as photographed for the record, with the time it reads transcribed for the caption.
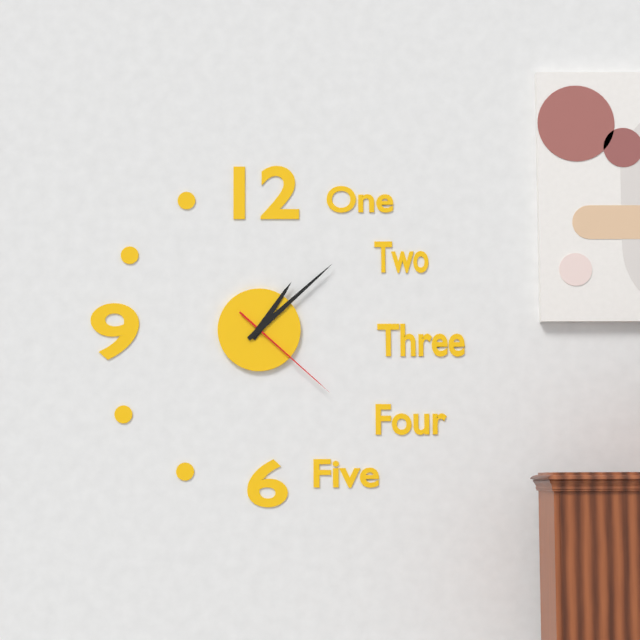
1:08:22
